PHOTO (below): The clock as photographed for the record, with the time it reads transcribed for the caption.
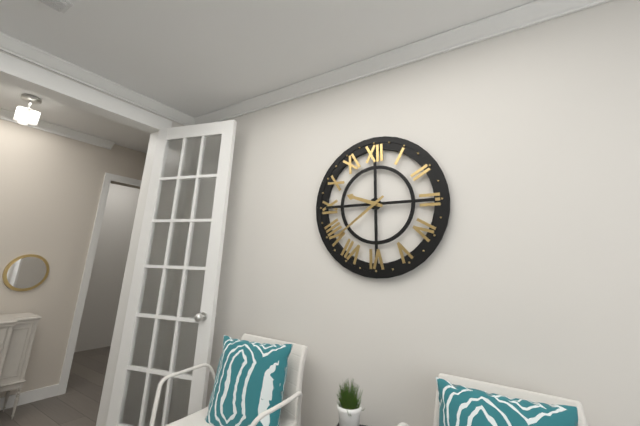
9:39
